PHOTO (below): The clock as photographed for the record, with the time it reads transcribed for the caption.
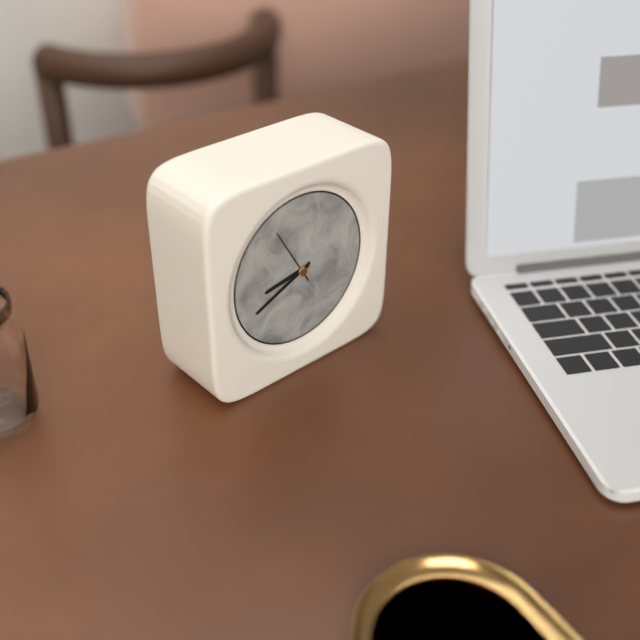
8:41:55
